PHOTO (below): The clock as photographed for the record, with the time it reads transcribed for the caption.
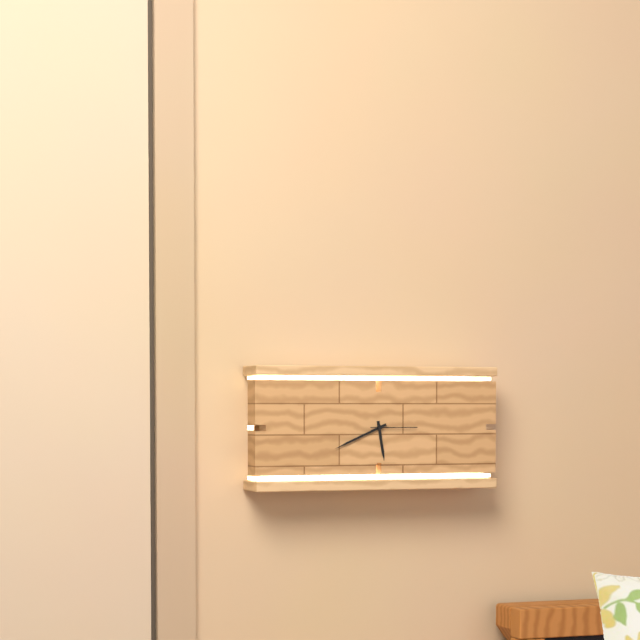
5:41:15
